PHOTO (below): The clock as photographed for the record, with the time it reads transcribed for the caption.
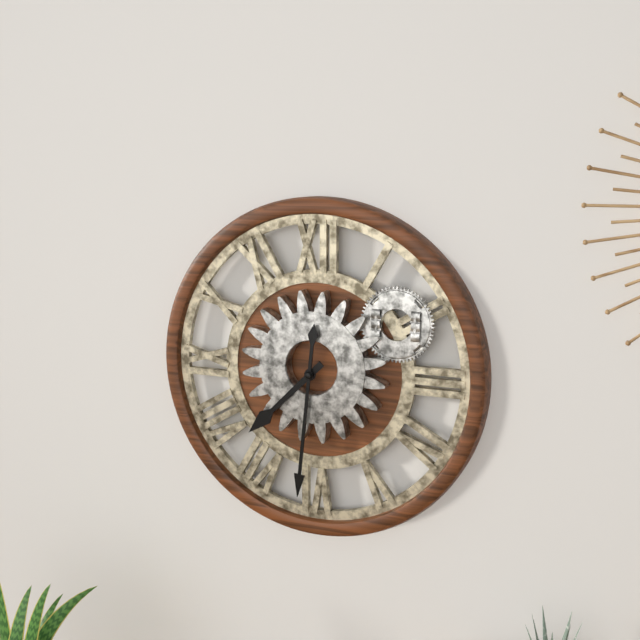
7:31
